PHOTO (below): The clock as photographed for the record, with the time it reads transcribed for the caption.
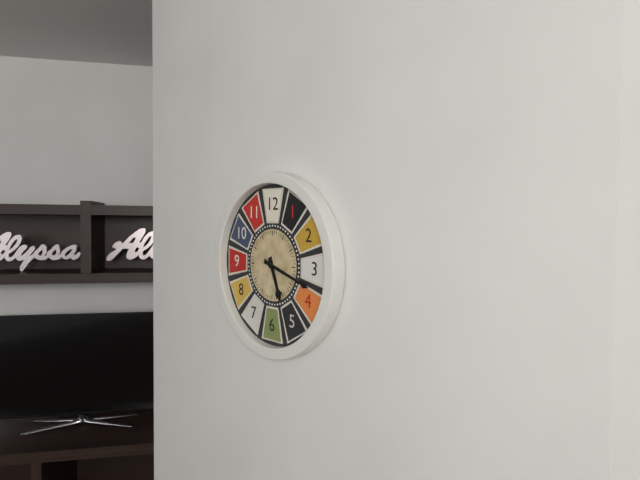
5:18
